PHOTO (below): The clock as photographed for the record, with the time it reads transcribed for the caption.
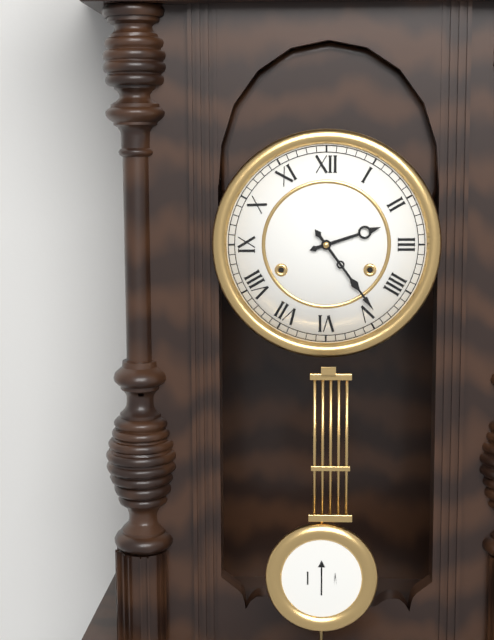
2:24
